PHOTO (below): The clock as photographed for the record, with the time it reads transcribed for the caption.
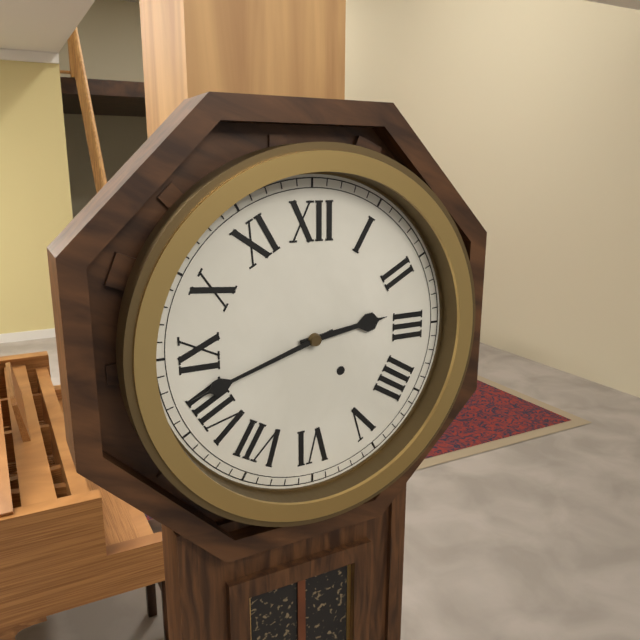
2:42
